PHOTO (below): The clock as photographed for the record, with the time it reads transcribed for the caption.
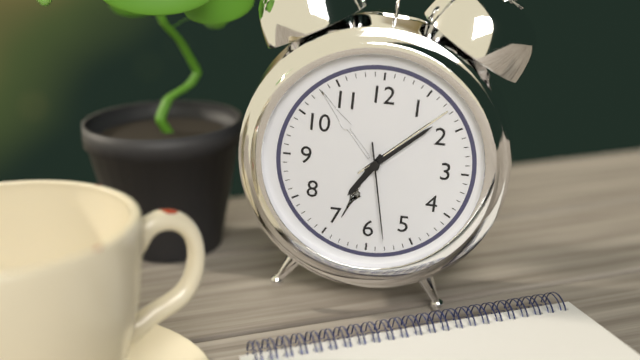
7:08:28
